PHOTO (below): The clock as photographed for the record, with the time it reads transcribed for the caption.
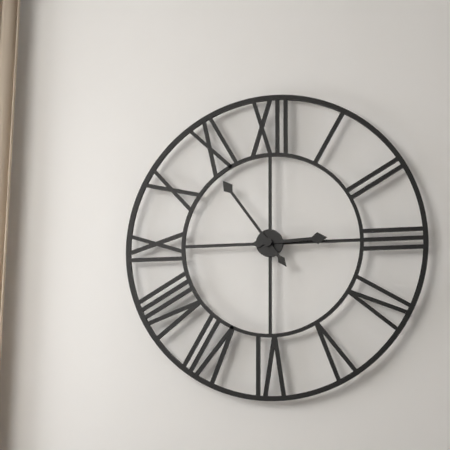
2:54
